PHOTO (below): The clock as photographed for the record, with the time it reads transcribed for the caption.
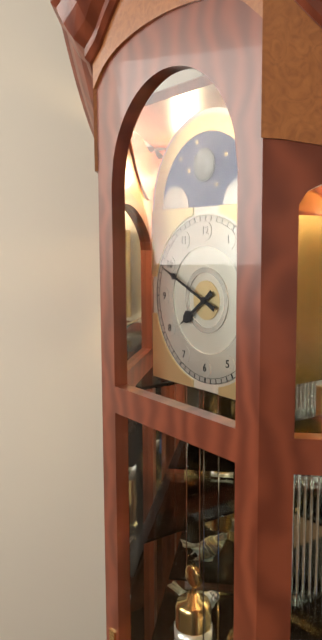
7:49
